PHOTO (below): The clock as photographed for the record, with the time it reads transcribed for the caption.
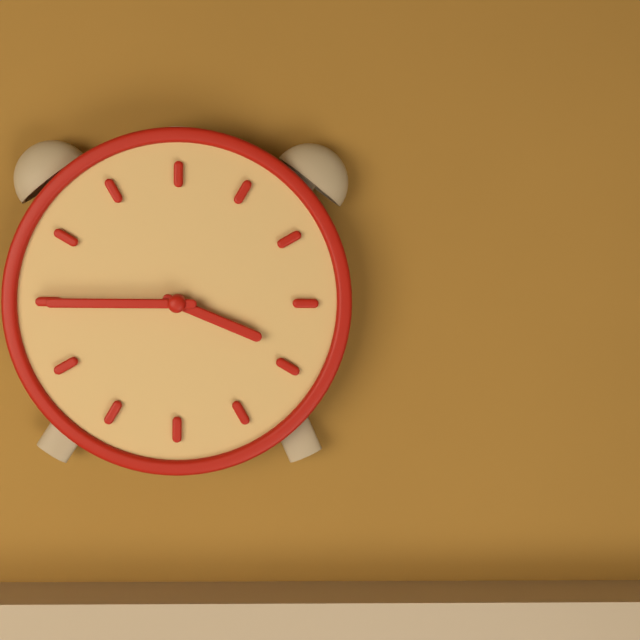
3:45
